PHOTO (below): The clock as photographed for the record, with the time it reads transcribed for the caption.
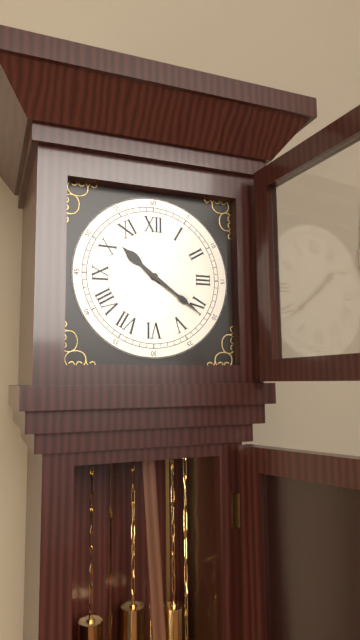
10:21
